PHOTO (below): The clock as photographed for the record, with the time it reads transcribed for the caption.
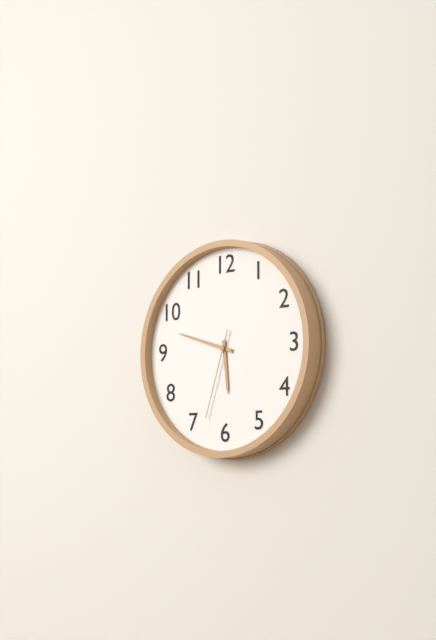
5:48:33
